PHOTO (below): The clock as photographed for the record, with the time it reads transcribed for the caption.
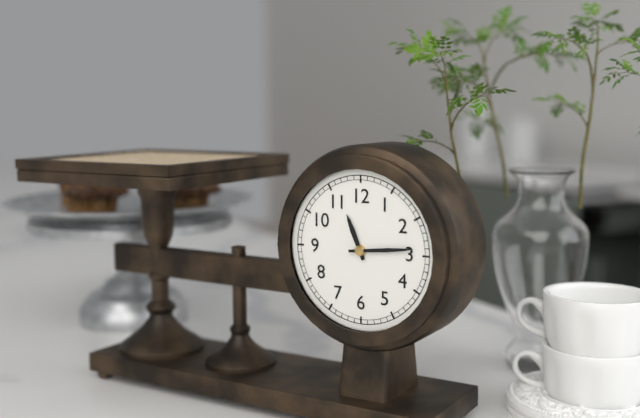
11:14
